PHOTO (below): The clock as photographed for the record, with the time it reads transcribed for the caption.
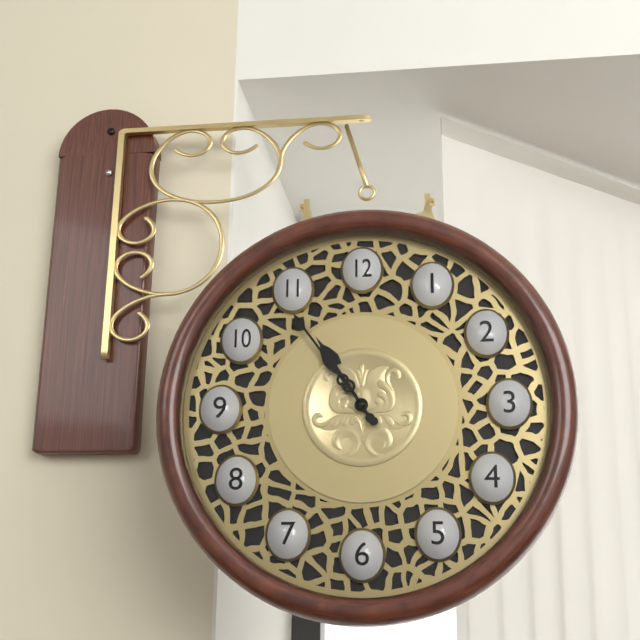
10:54
